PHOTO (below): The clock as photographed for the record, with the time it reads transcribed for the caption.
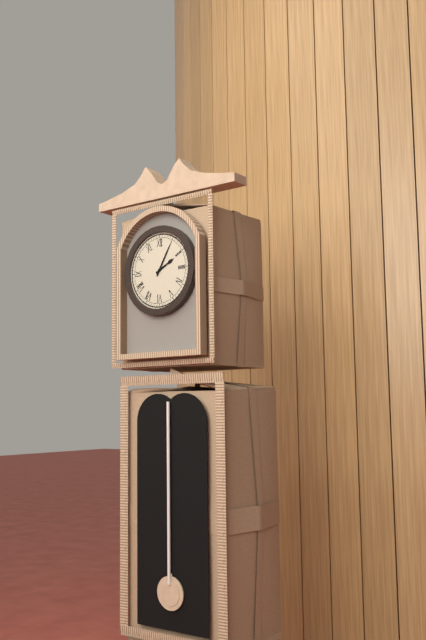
2:05
